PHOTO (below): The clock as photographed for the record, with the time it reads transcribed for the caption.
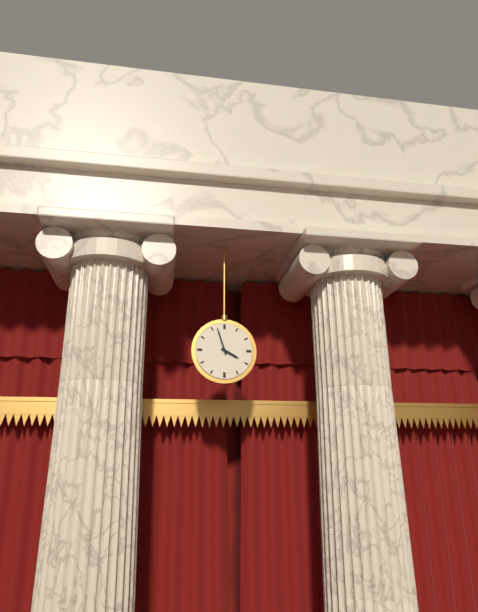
3:57
